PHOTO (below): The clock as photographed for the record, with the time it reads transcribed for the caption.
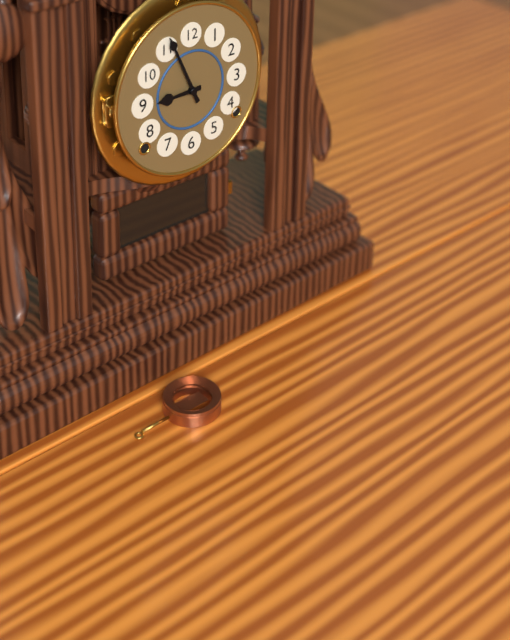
8:56
